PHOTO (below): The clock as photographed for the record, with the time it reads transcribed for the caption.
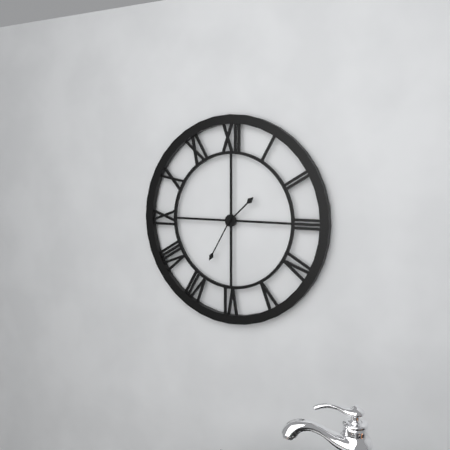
1:35
